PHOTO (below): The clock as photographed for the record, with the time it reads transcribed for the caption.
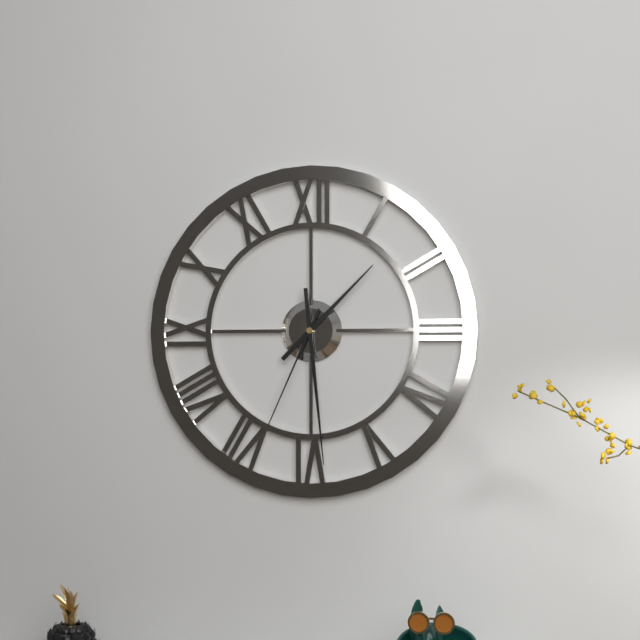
1:29:34
